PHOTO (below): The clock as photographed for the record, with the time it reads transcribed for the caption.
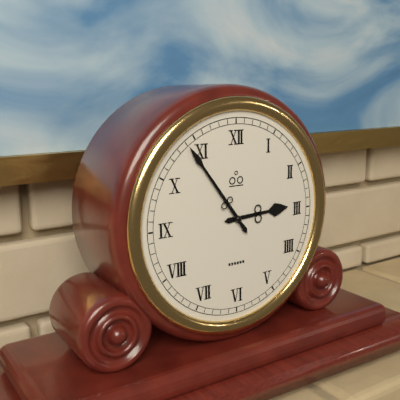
2:54
